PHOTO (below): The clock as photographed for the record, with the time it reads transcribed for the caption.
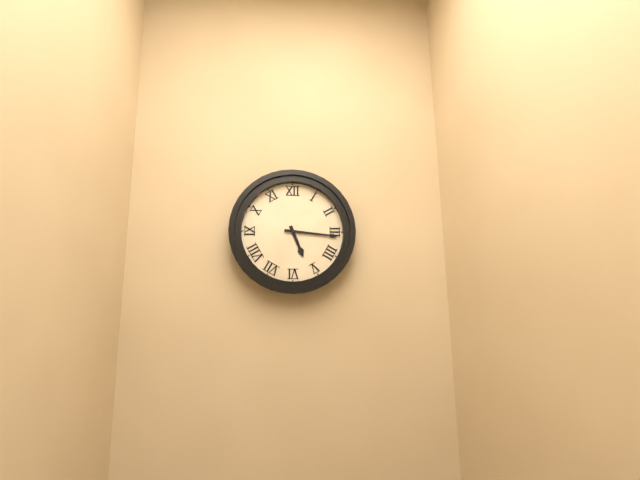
5:16
